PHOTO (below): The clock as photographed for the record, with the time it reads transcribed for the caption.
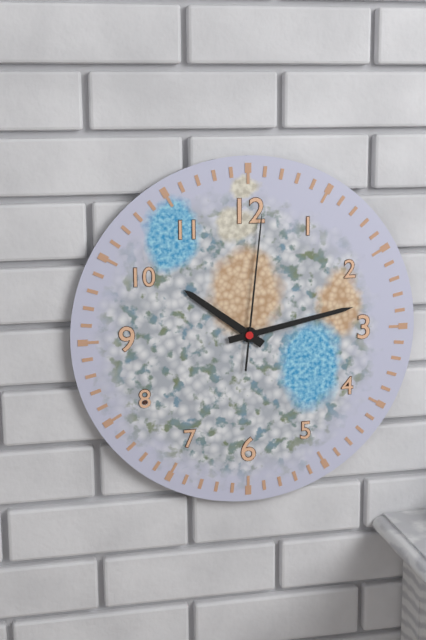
10:13:01
